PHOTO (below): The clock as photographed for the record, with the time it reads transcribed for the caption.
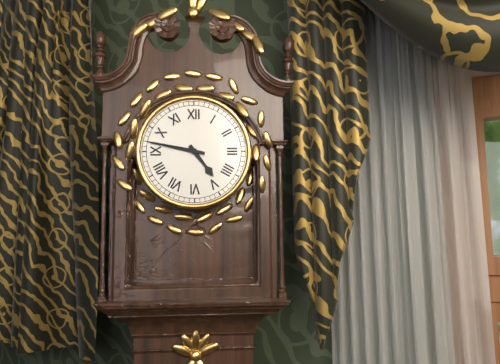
4:47
